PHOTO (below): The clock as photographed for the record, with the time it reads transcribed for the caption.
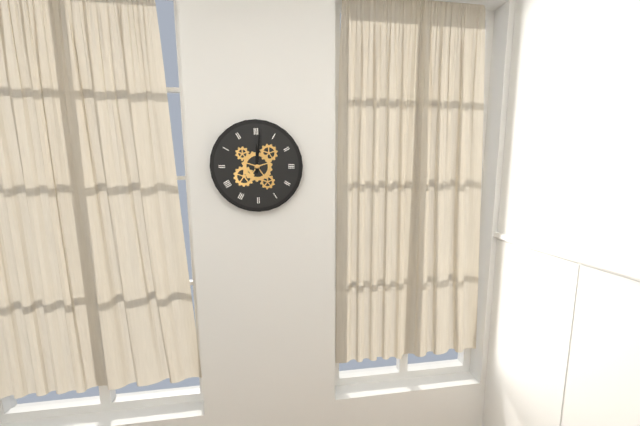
12:01
